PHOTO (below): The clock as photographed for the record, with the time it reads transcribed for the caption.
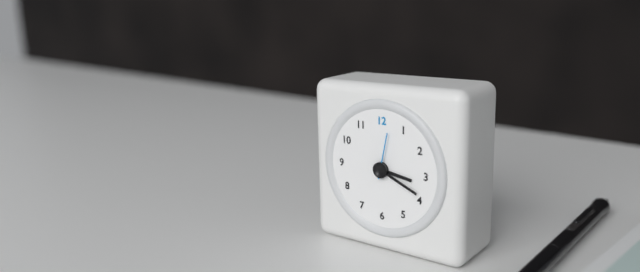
3:19
